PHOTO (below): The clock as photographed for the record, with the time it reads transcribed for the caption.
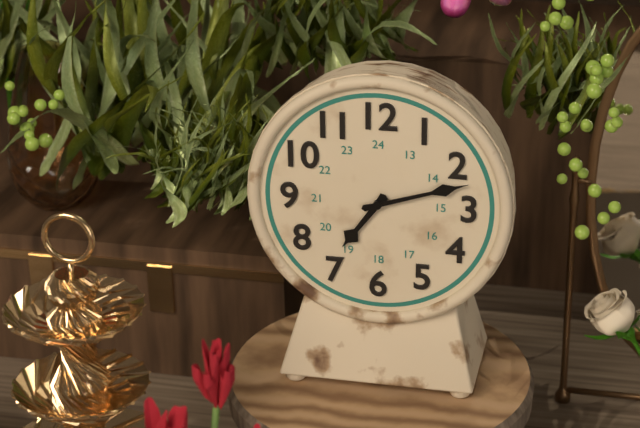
7:12
